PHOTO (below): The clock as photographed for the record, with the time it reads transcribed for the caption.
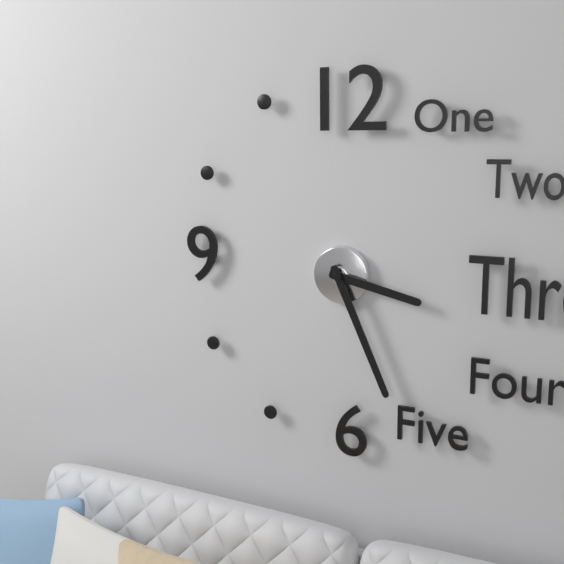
3:26
